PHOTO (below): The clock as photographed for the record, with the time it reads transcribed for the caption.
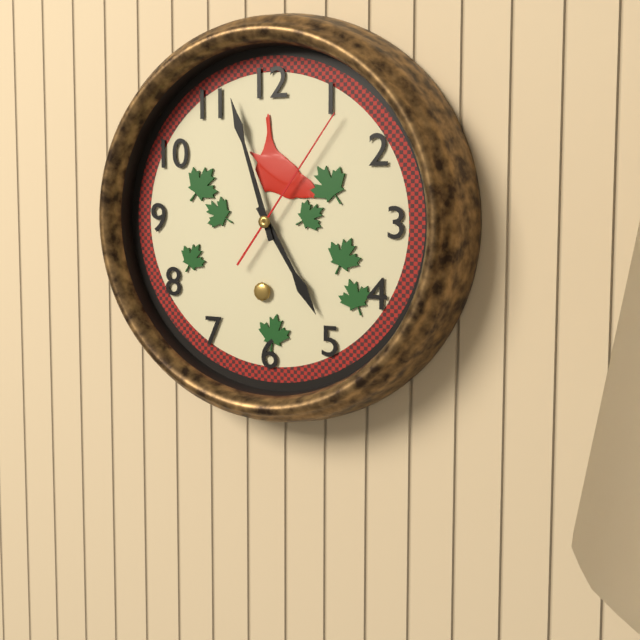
4:57:06
